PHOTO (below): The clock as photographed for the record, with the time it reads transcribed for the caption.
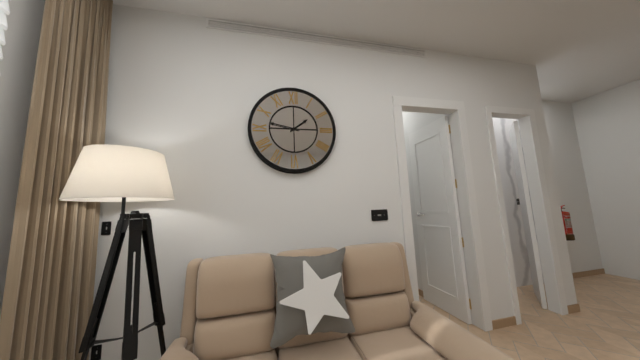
1:47
